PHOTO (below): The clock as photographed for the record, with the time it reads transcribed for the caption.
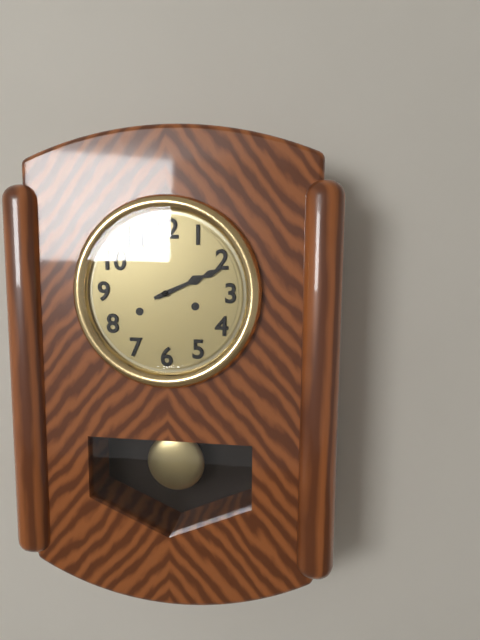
2:11
